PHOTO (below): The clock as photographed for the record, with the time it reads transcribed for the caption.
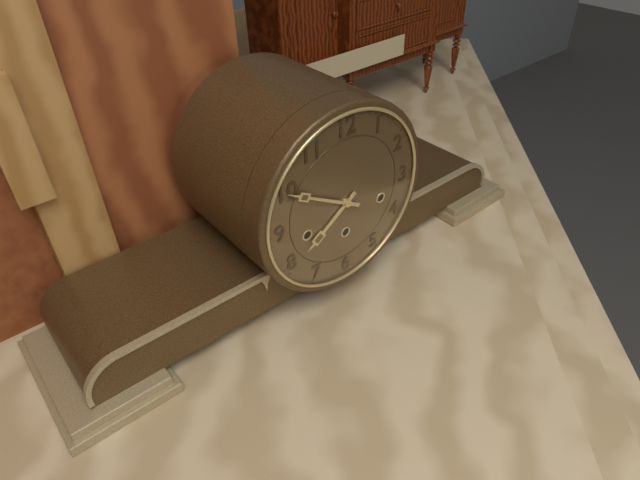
7:50
